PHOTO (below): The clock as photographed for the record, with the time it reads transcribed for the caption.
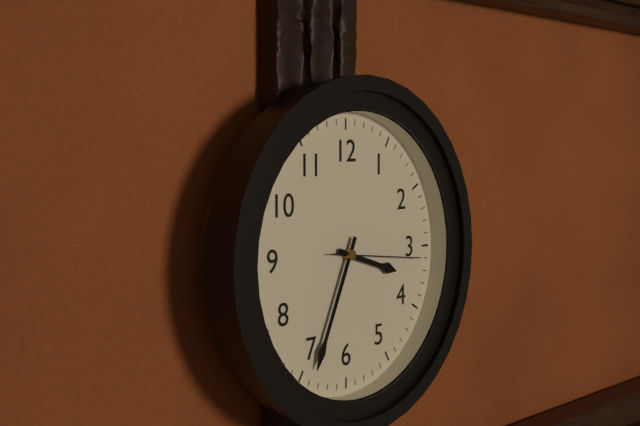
3:34:16
